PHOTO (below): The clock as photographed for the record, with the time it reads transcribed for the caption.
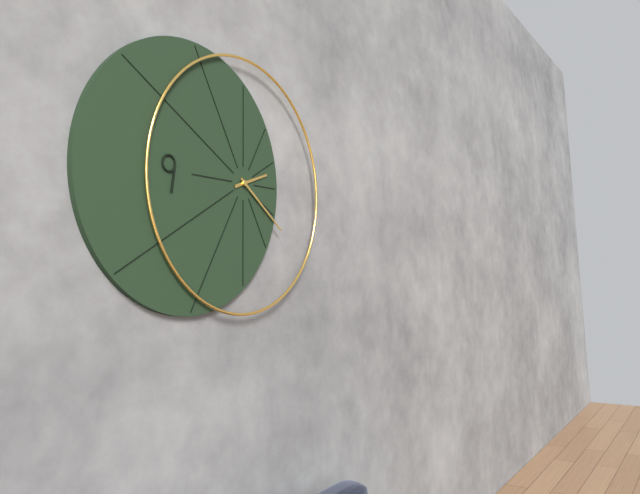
2:21
